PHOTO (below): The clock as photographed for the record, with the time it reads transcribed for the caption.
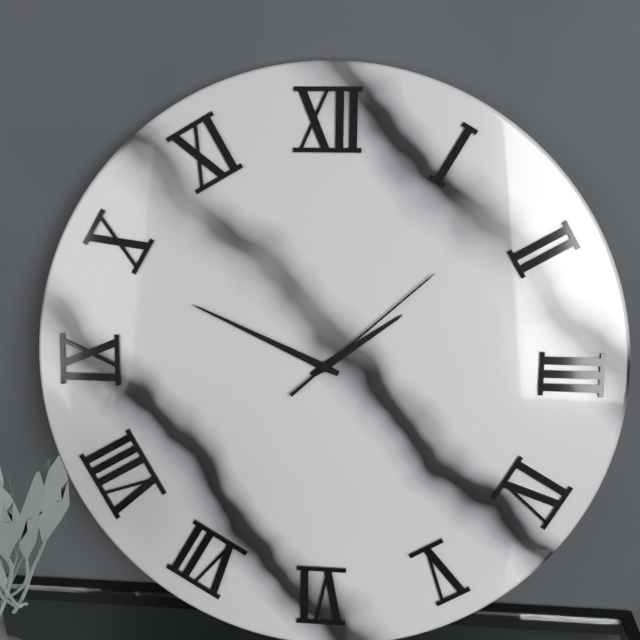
1:49:08
